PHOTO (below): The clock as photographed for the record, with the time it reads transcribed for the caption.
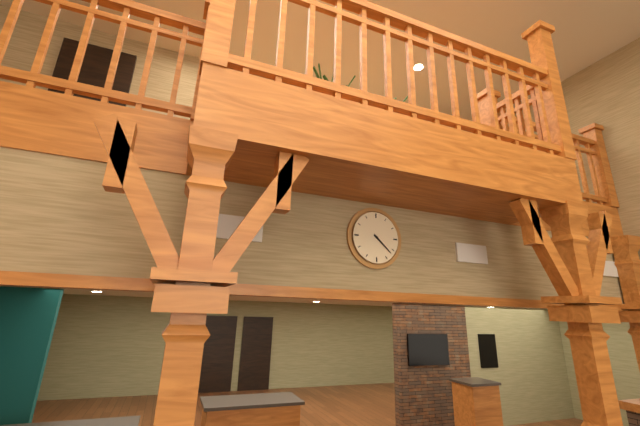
4:22
